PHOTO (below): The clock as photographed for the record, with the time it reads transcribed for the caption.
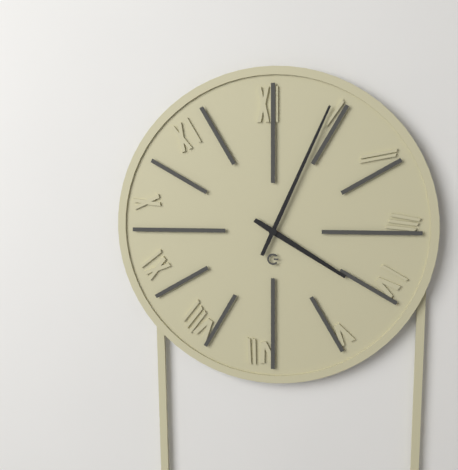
4:04
